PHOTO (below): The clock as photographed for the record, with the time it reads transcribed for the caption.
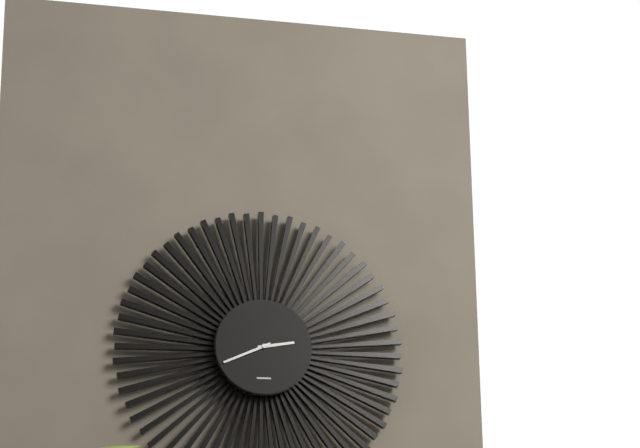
2:41
